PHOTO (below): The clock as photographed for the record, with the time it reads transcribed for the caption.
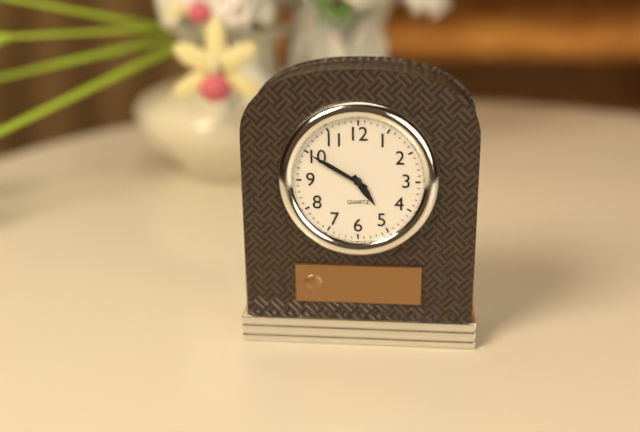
4:50
